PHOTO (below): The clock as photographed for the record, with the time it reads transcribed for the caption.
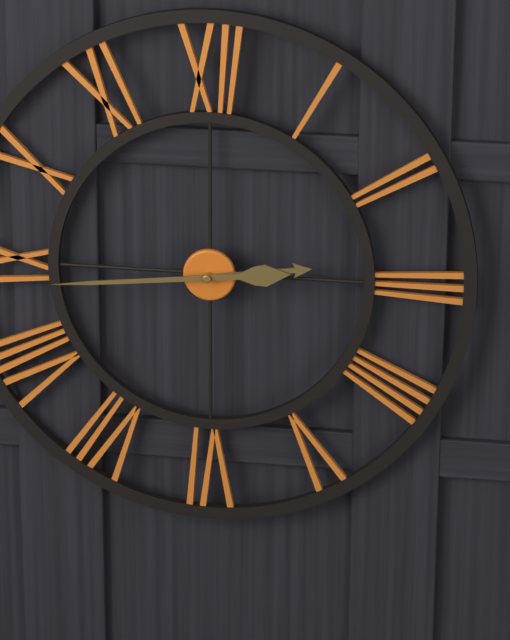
2:44
